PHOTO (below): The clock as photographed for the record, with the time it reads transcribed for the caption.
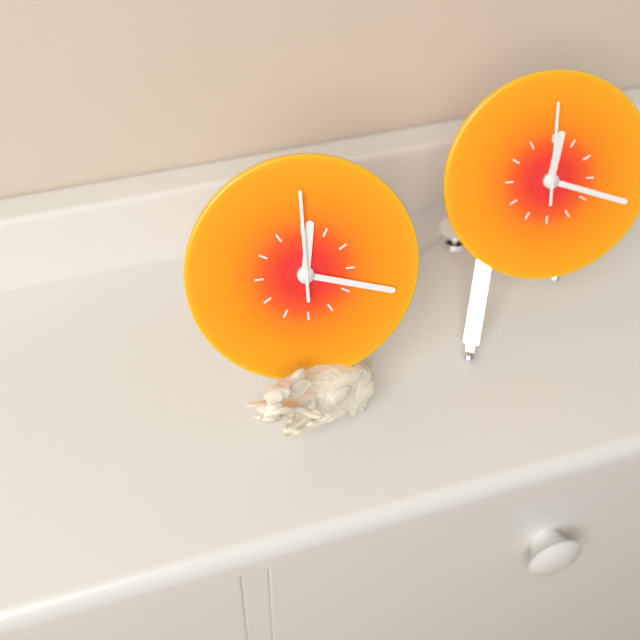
12:18:00
